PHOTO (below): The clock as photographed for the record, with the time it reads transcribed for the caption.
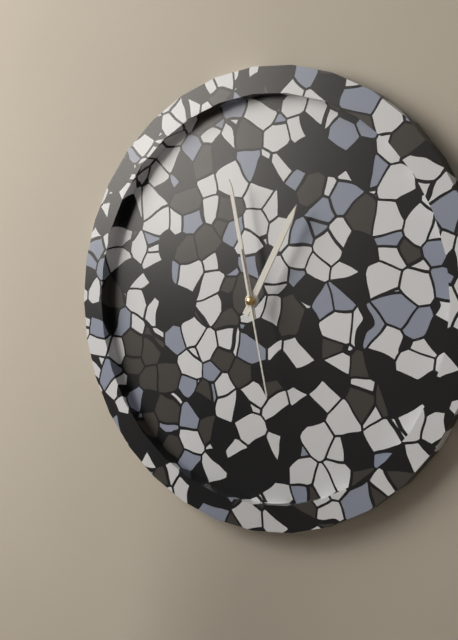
12:58:28
